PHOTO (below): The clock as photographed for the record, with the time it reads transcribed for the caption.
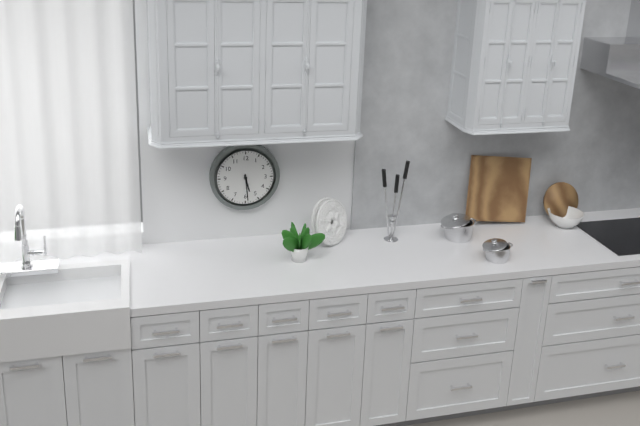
5:29
